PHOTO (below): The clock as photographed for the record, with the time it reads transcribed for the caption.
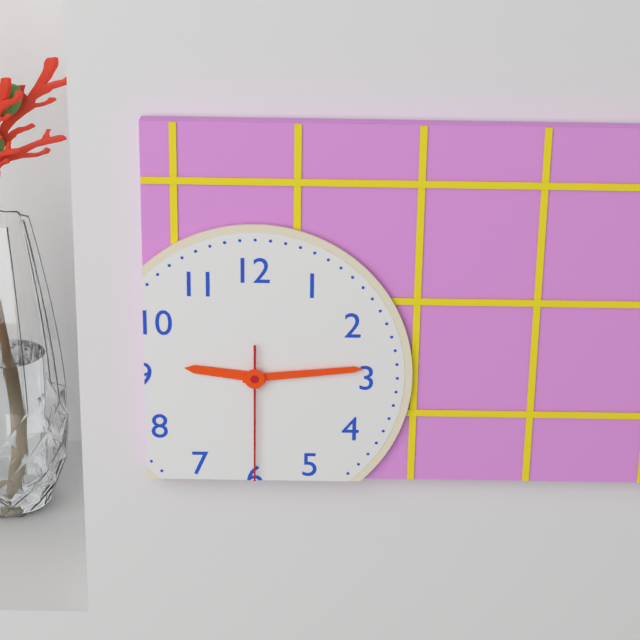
9:14:30
